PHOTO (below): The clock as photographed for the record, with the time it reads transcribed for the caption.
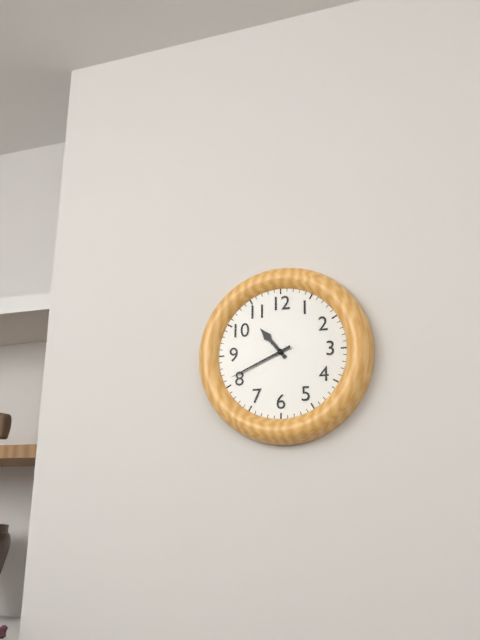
10:41
